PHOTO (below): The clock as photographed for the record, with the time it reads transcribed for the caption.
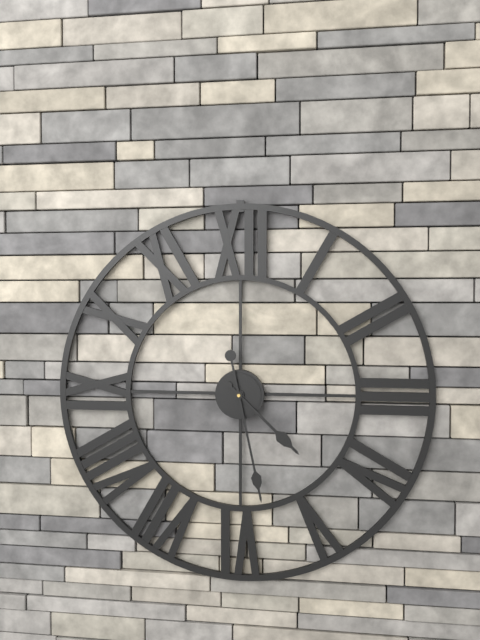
4:28
